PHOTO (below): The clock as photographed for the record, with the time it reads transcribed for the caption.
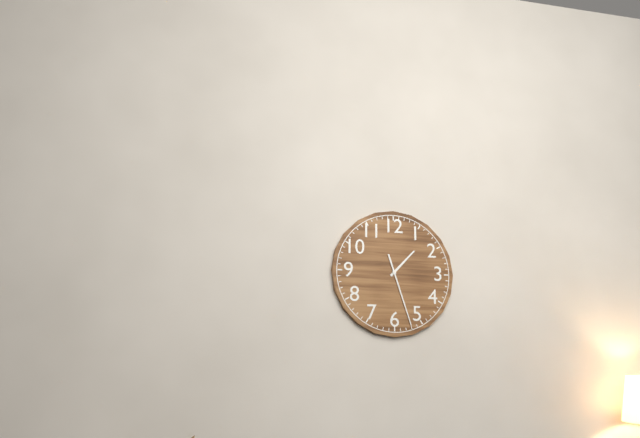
1:27
